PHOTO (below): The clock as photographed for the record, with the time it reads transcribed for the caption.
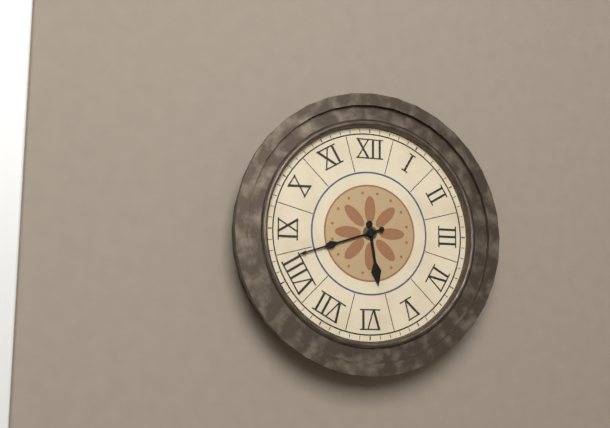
5:42
